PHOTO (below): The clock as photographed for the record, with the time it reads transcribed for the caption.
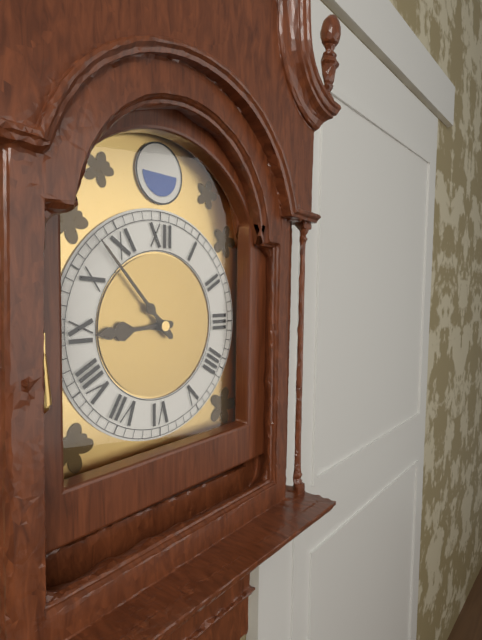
8:53
